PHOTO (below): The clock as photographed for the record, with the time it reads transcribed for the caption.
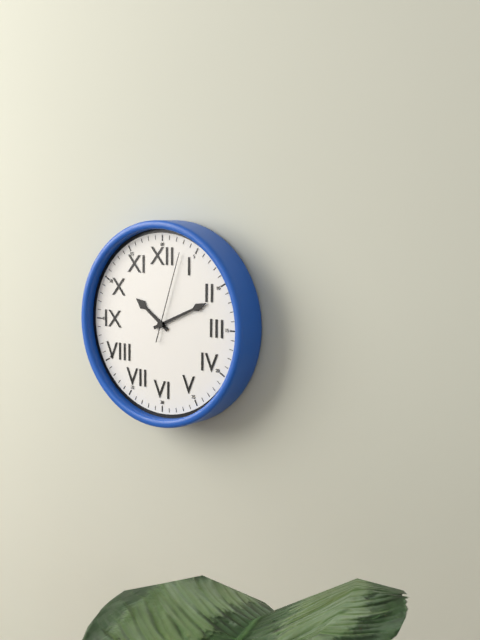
10:11:03
